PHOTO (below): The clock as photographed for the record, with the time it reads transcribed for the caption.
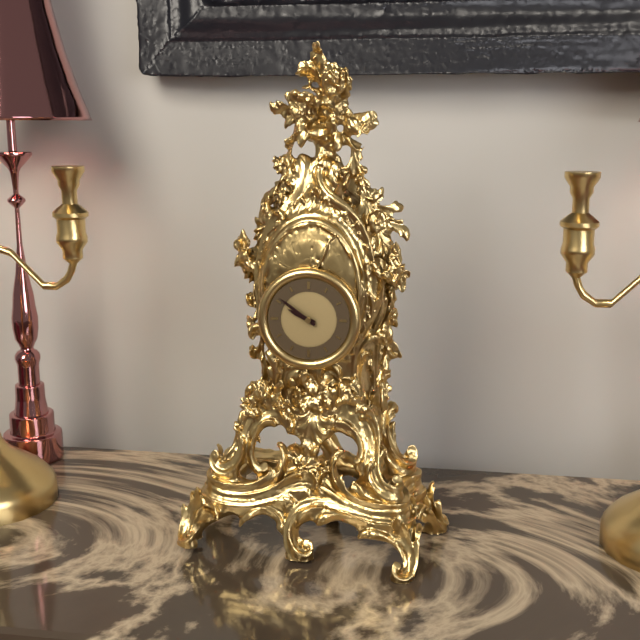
9:51
